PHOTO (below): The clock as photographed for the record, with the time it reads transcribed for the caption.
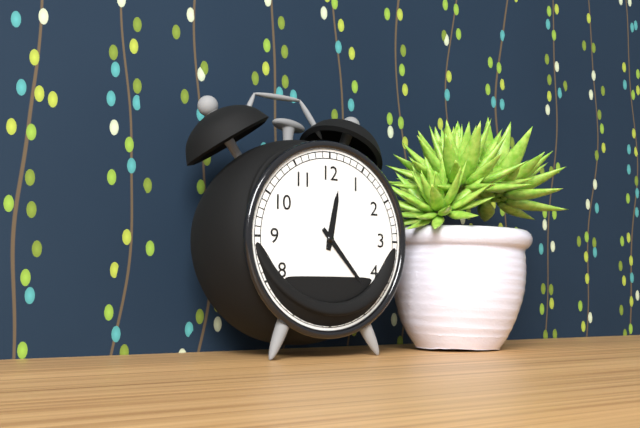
12:23
